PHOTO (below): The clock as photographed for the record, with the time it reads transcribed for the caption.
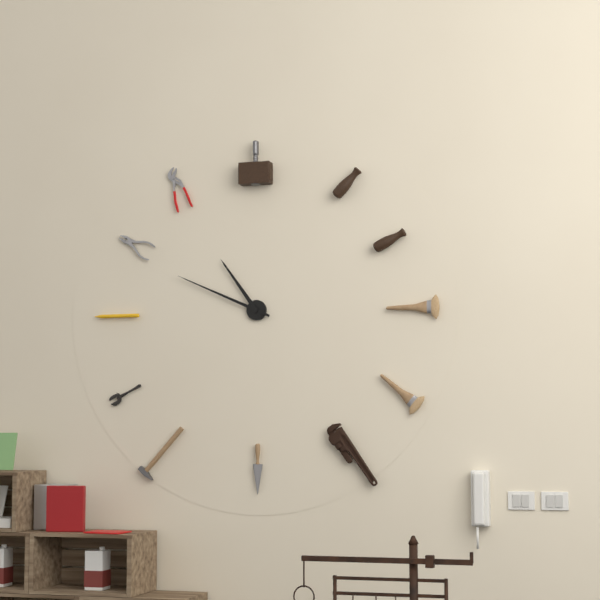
10:49
